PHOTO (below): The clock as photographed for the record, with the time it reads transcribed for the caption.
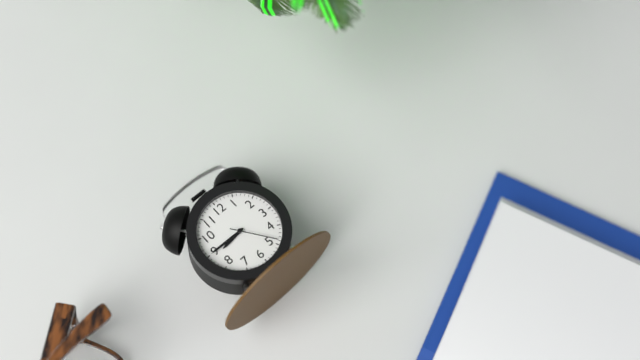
8:45
